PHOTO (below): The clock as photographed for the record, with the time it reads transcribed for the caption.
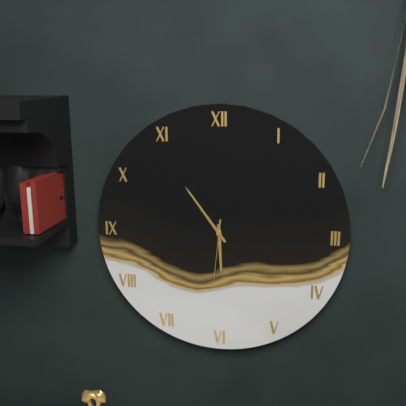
5:54:31
